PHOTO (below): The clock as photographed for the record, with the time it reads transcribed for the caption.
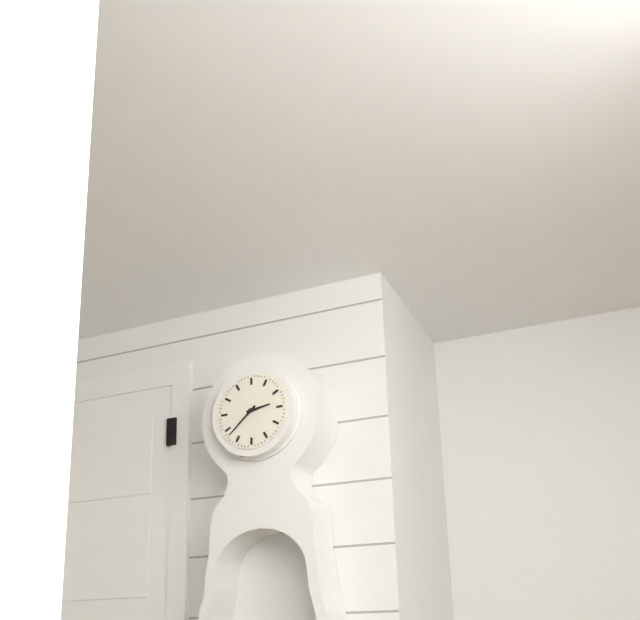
2:38
